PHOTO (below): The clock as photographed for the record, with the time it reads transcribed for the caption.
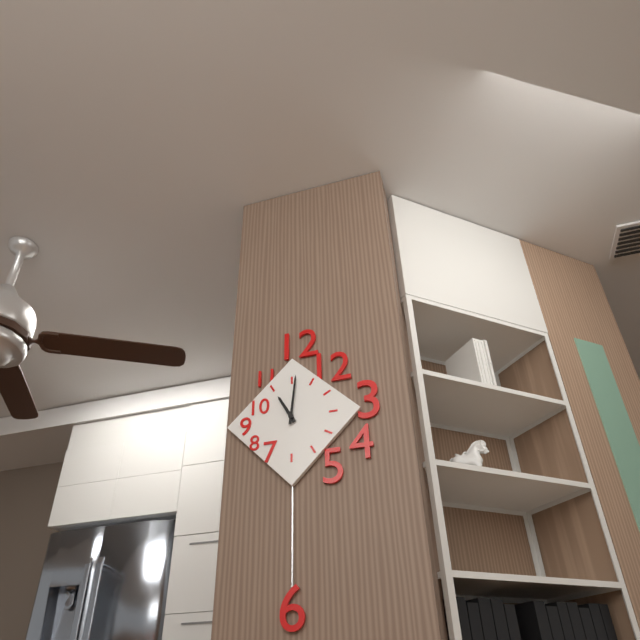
11:01
